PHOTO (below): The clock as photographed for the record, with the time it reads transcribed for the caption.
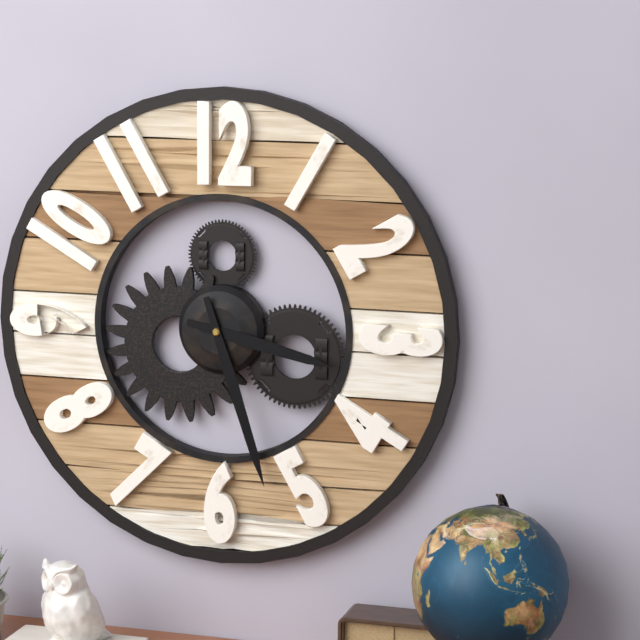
3:27
